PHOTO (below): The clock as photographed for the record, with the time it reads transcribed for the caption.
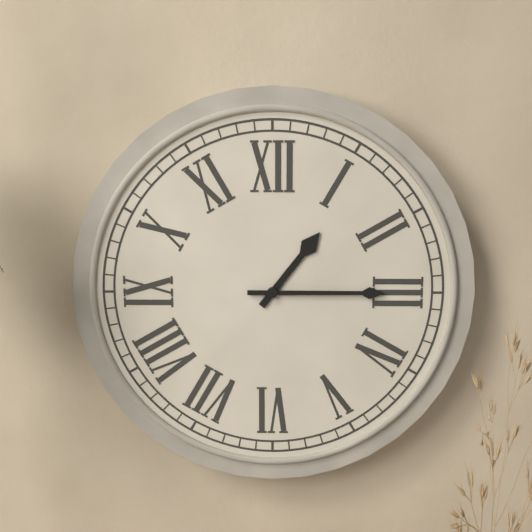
1:15
